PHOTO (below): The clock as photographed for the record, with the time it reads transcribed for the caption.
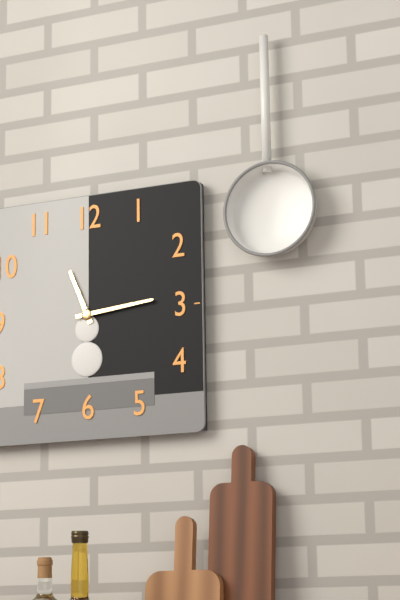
11:14
